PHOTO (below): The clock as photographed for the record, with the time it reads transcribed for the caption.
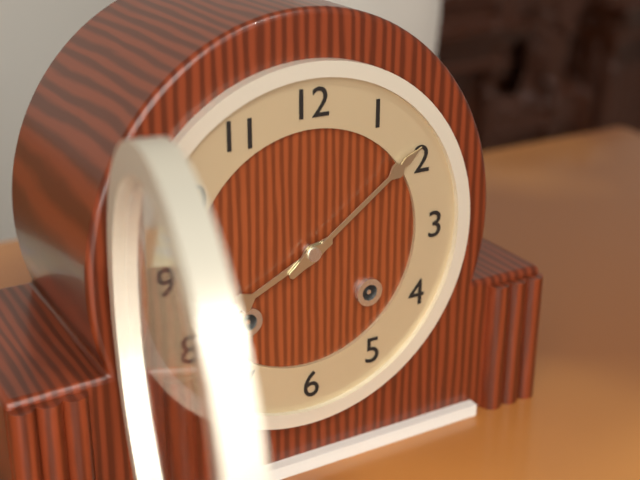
8:09
